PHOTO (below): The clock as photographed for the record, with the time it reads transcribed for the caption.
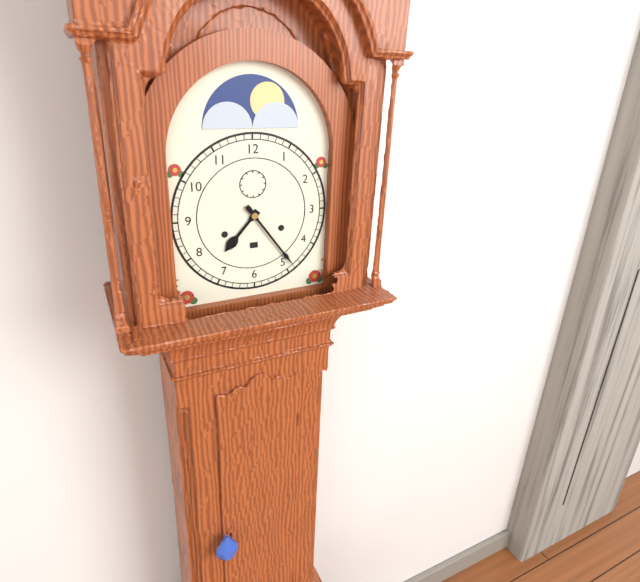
7:24
